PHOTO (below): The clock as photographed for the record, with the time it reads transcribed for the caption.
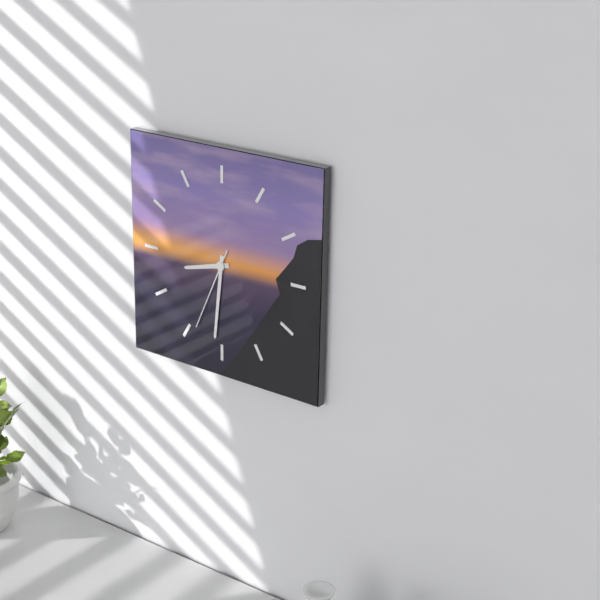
8:31:34
